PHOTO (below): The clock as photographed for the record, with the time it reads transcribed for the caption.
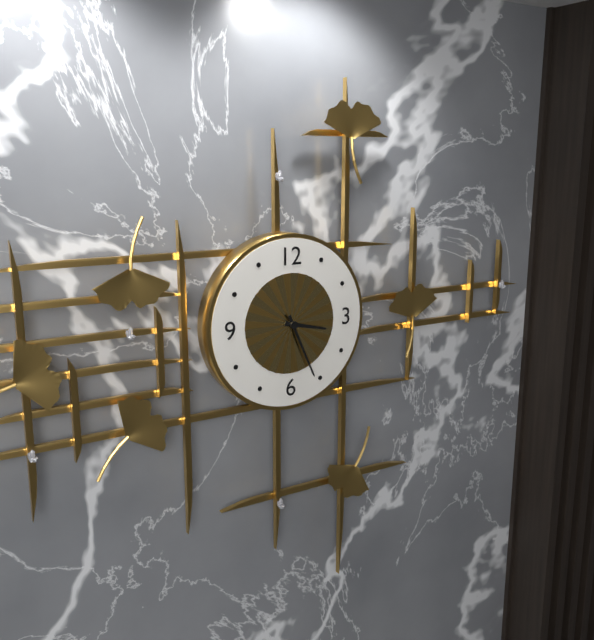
3:26
